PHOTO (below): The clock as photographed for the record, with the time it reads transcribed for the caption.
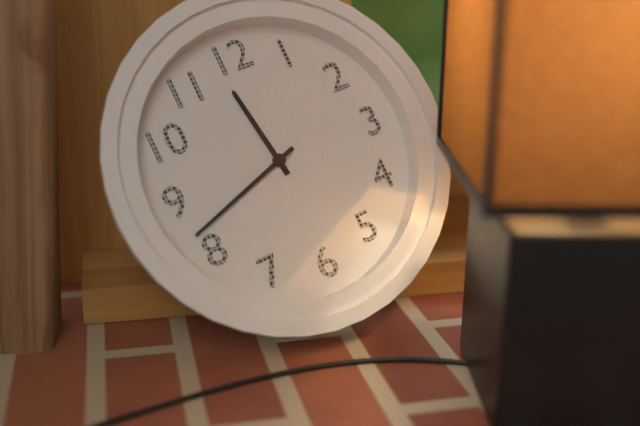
11:42
